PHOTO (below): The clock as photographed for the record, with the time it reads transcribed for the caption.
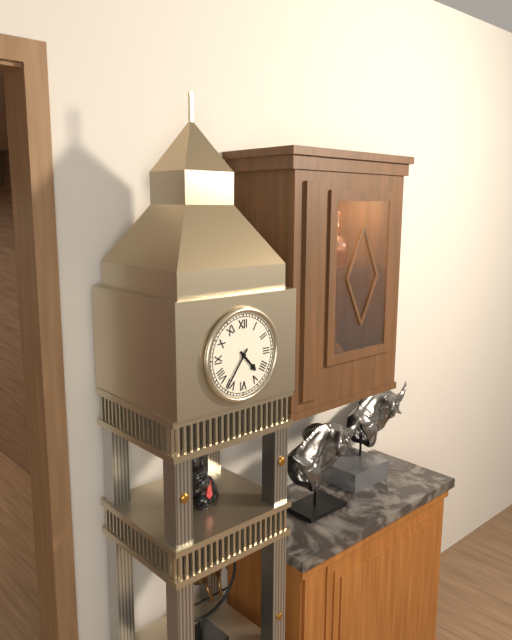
4:36
